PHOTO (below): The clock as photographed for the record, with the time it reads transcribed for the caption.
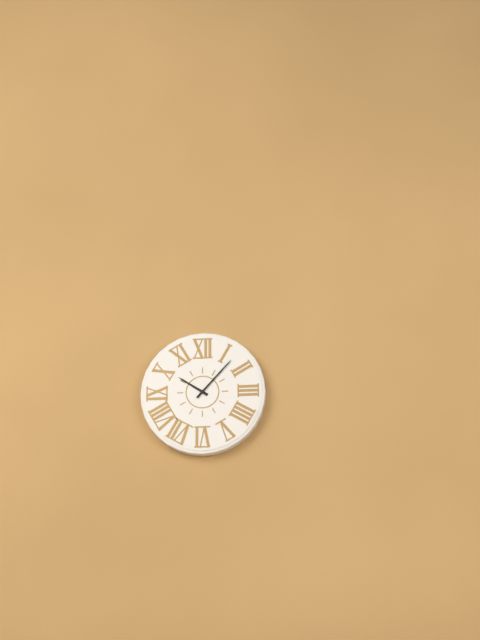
10:07
